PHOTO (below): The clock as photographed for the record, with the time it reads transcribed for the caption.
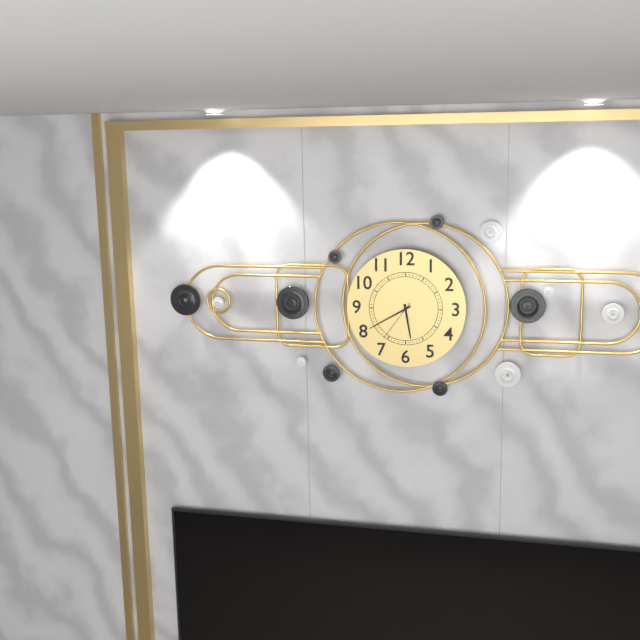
5:40
